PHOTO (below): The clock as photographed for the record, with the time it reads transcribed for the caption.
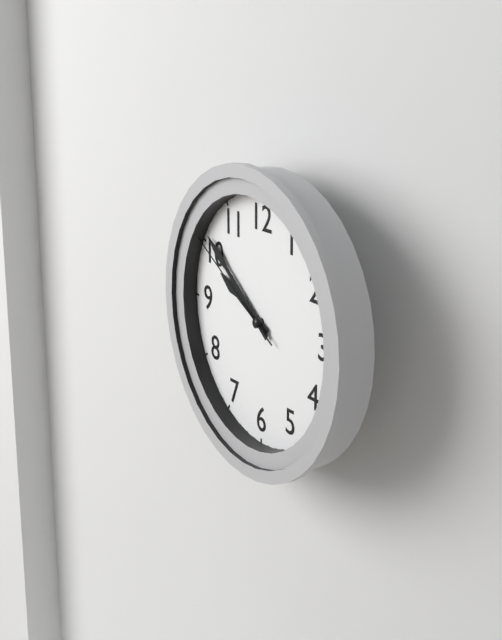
9:51:50
